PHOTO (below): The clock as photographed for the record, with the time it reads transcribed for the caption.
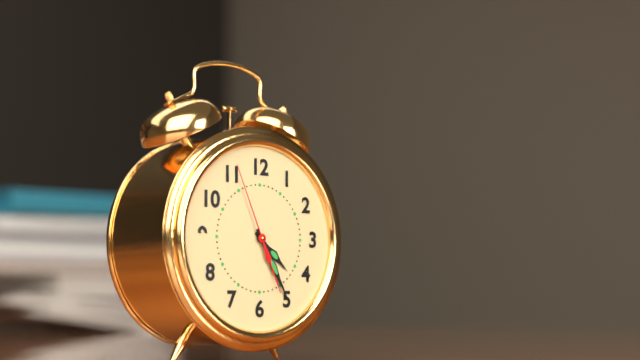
4:25:56
